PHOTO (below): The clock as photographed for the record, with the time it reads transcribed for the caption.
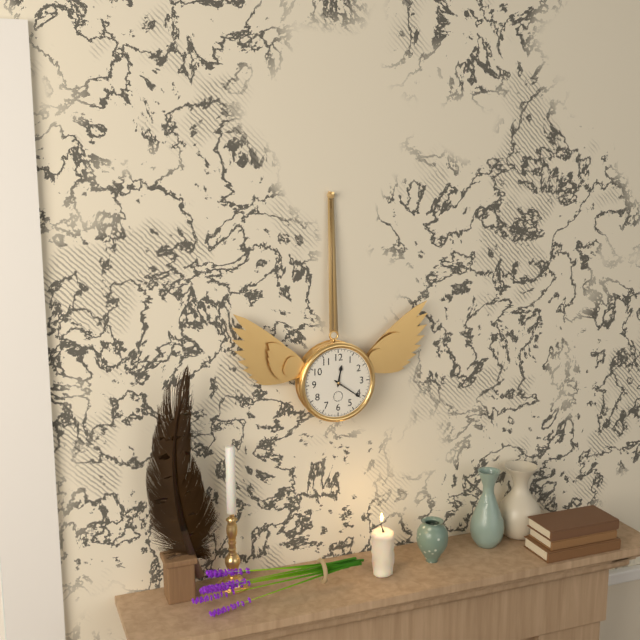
12:21
